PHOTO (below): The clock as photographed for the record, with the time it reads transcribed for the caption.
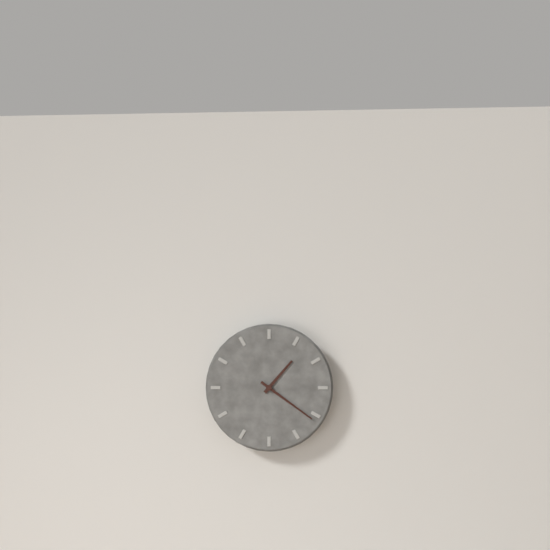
1:21
